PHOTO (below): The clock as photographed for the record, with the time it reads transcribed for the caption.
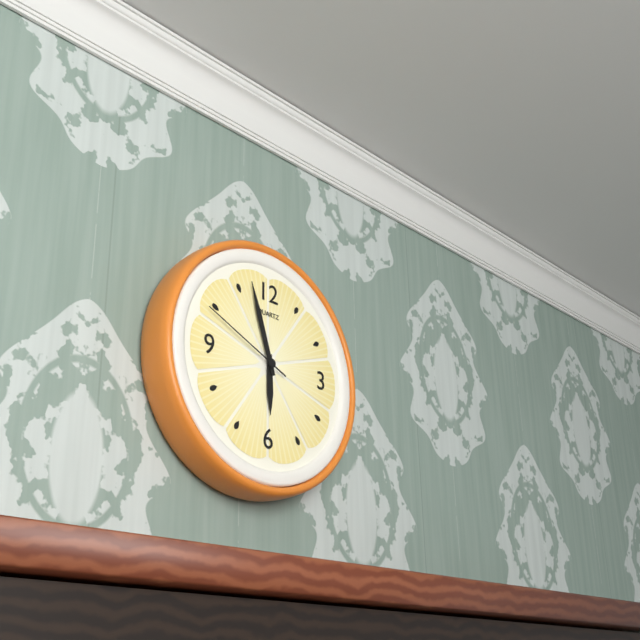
5:57:49
